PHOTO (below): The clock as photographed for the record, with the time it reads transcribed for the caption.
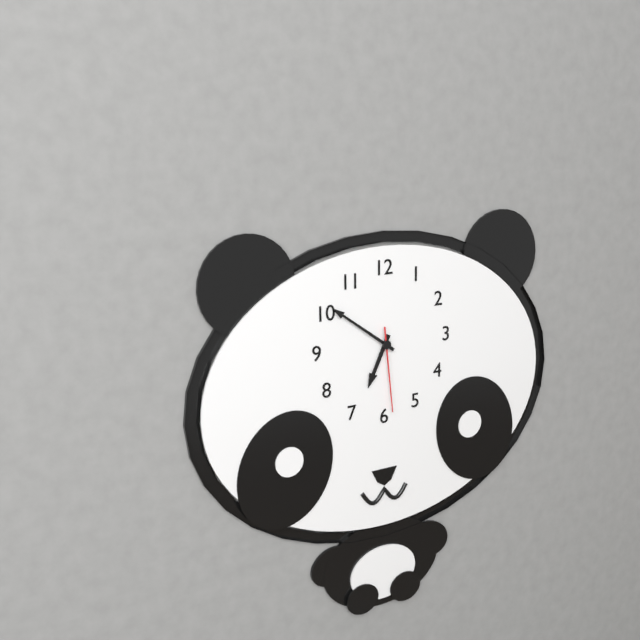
6:51:29
